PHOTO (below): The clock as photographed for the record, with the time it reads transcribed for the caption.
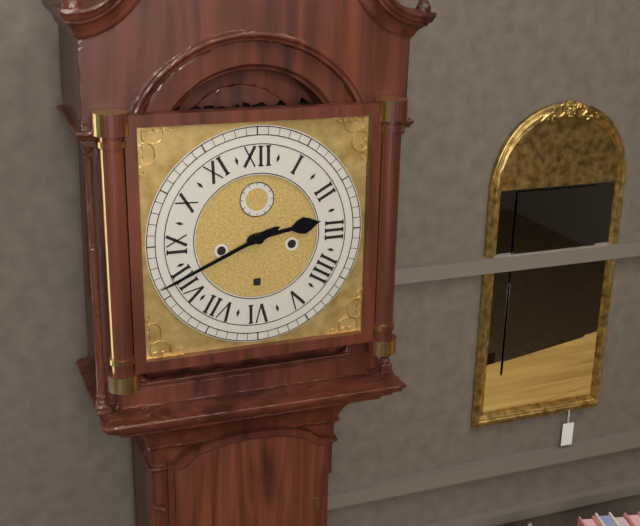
2:41
